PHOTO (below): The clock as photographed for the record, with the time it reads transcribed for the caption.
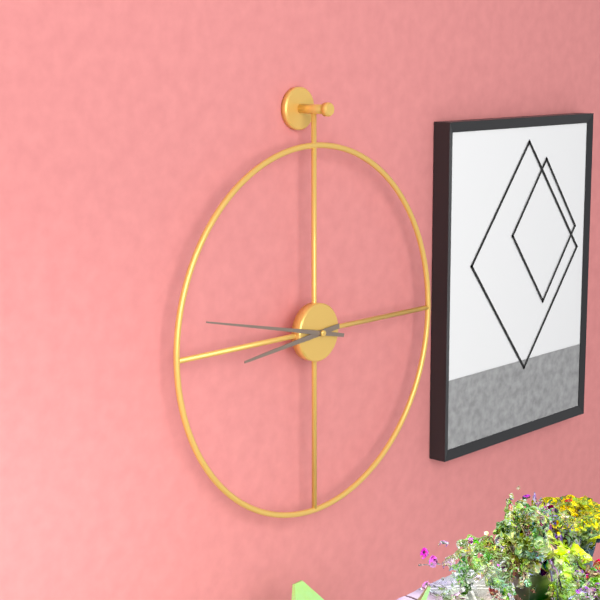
8:47
